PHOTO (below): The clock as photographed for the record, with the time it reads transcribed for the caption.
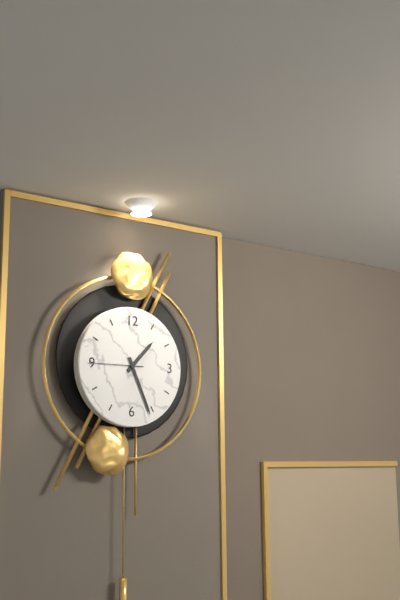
1:26:45
